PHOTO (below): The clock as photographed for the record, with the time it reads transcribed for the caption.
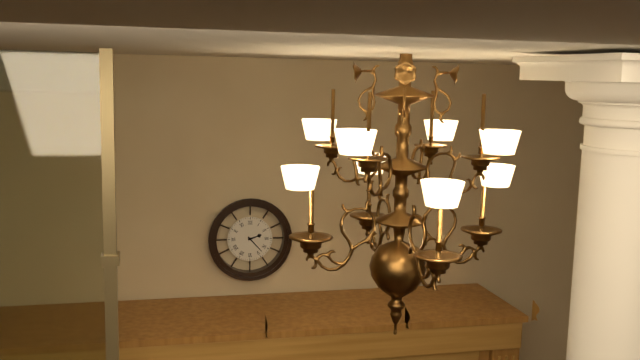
2:23
